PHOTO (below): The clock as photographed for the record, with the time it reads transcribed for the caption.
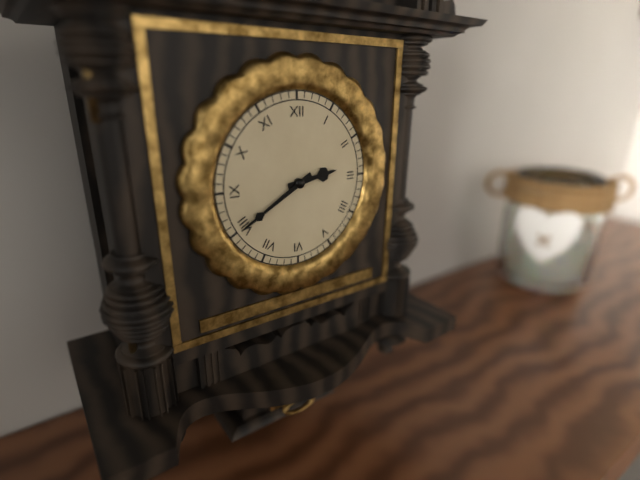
2:40
